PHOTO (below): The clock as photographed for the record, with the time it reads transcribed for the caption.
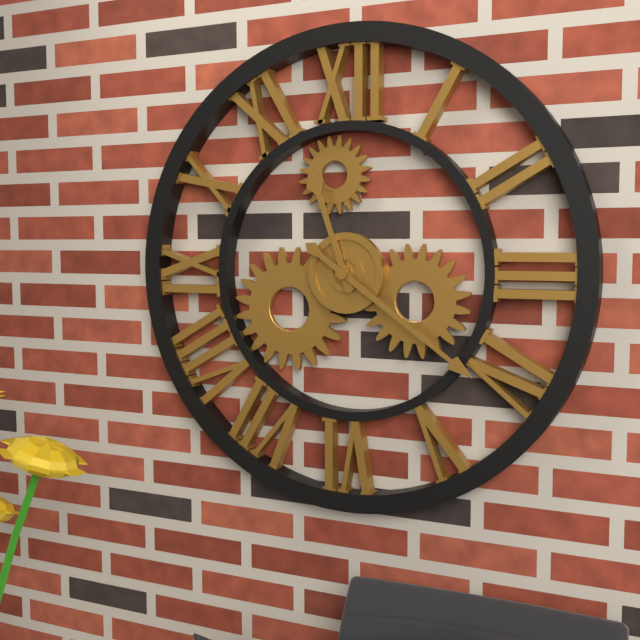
11:21
